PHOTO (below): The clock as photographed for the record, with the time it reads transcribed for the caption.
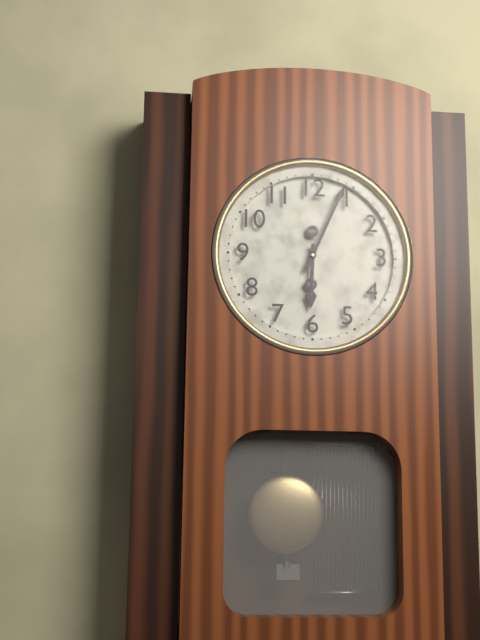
6:04
